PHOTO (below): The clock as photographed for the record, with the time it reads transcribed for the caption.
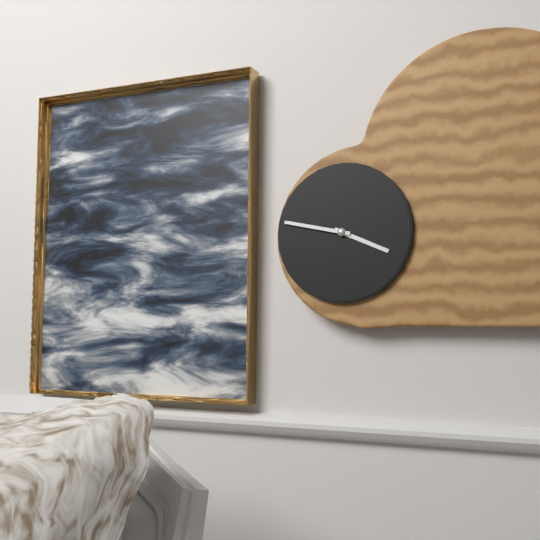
3:47
